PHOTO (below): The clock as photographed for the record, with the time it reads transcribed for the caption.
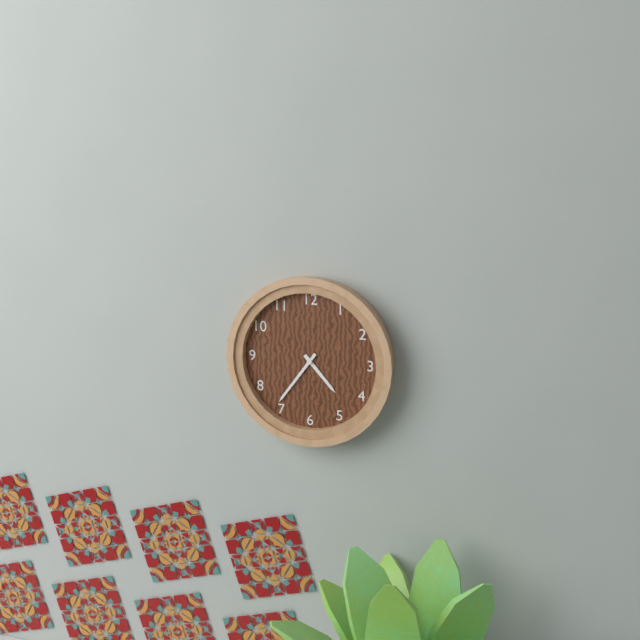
4:36
